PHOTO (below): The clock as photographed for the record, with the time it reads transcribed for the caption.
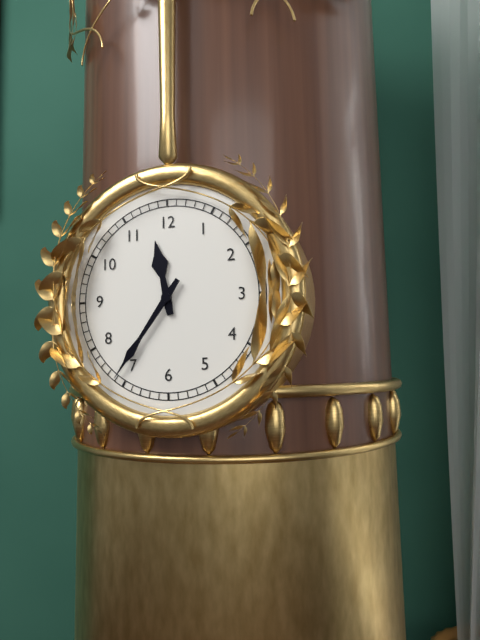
11:36
